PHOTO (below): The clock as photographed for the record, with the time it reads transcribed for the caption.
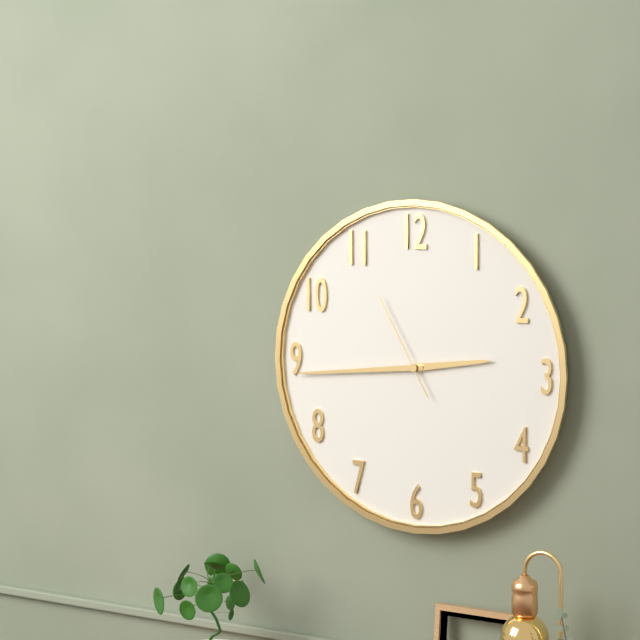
2:44:55
